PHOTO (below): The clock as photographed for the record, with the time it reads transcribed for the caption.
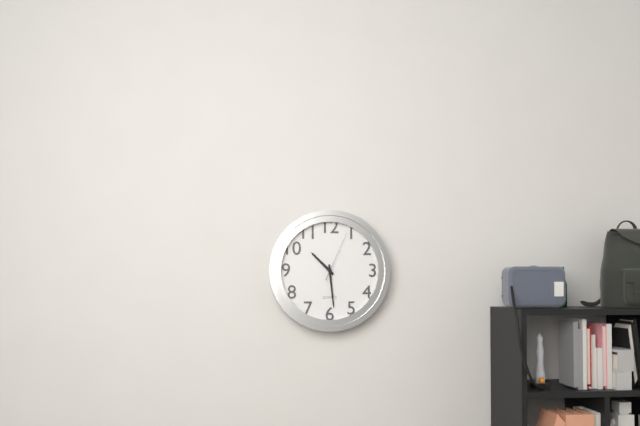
10:29:04
